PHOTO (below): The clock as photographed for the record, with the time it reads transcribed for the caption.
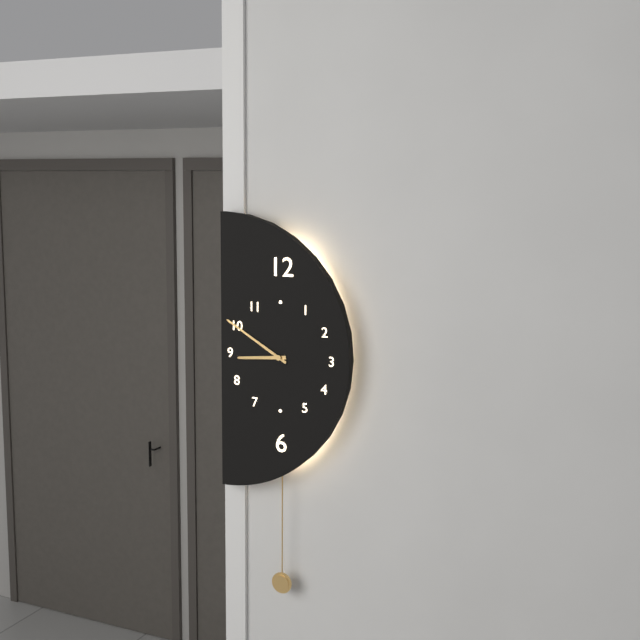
8:50
